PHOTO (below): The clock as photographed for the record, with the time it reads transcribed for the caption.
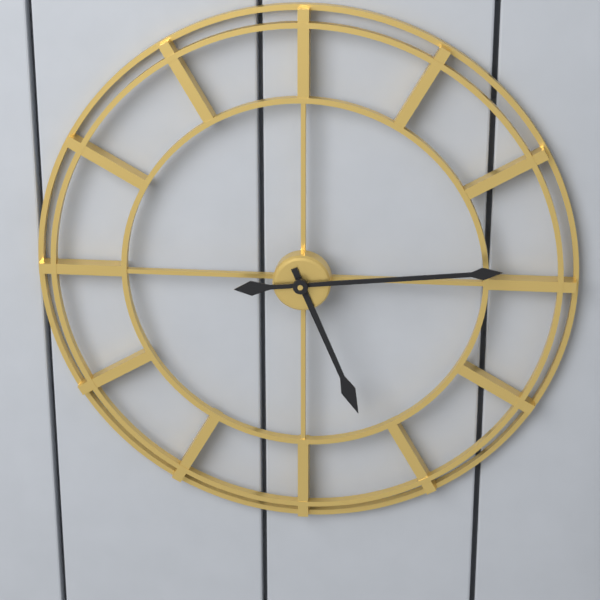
5:14
